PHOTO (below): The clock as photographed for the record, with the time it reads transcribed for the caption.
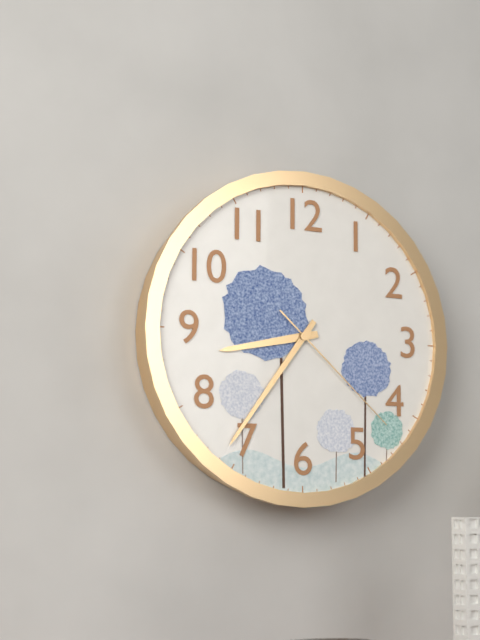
8:36:22
